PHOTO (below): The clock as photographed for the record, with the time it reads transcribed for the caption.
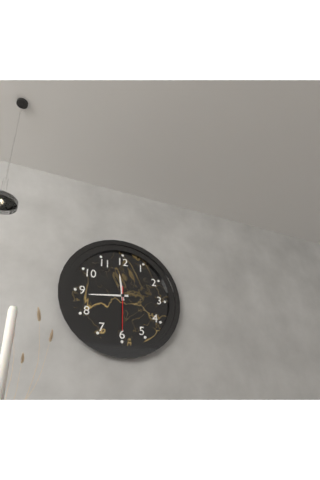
11:44
